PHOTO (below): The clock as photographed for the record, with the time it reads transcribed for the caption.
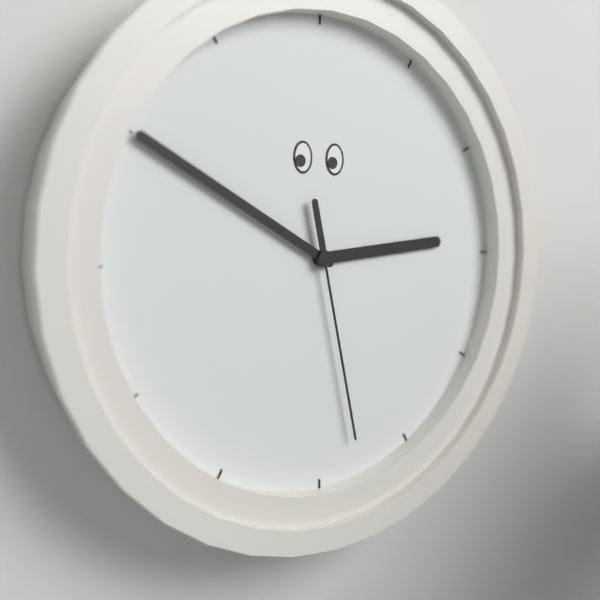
2:50:28
